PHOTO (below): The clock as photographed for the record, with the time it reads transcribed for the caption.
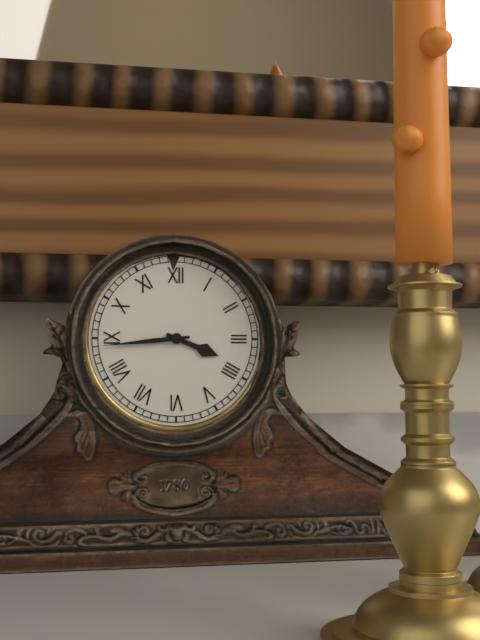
3:44
